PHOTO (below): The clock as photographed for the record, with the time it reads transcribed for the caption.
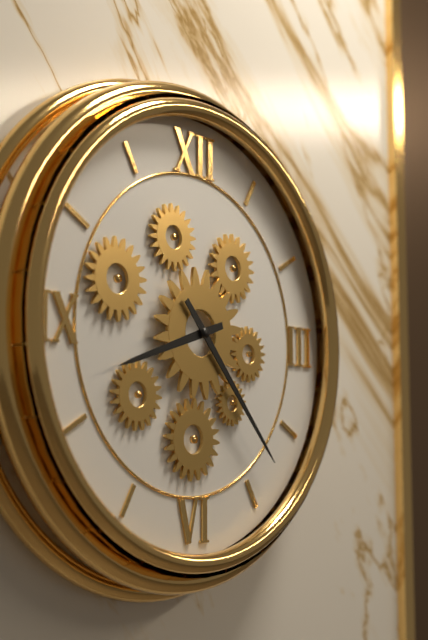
8:23
